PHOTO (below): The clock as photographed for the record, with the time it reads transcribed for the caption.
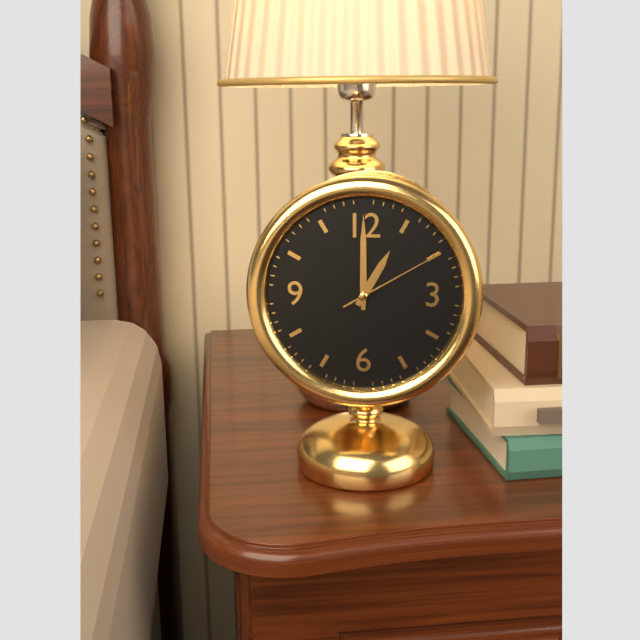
1:00:10
